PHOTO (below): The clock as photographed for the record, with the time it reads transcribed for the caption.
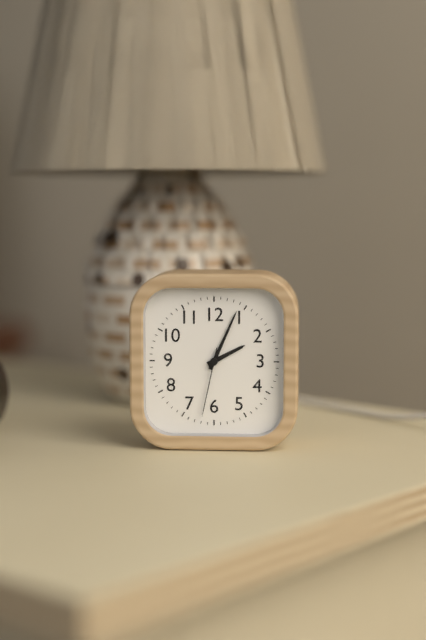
2:04:32
